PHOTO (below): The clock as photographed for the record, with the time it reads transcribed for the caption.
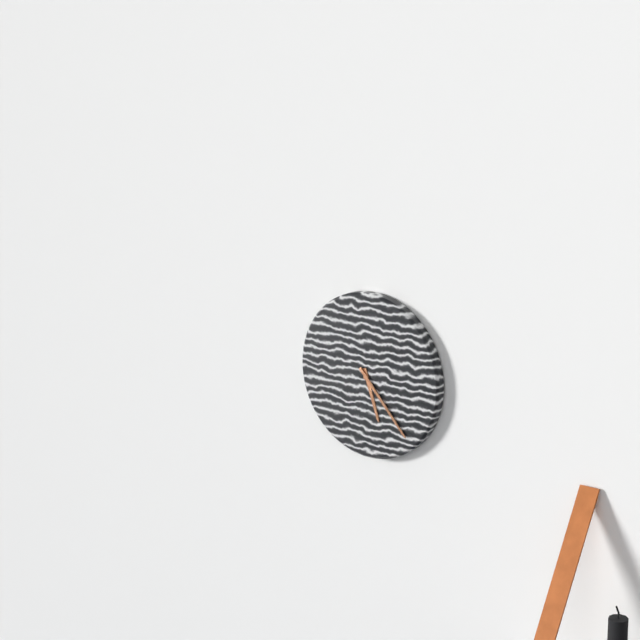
5:23
